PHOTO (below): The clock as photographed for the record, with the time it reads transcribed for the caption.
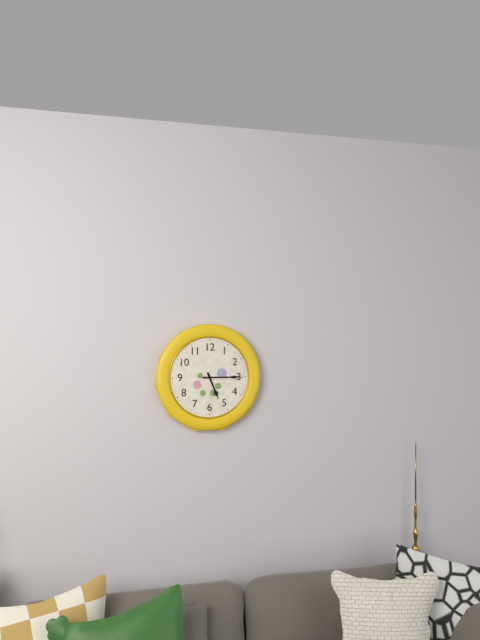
5:15
